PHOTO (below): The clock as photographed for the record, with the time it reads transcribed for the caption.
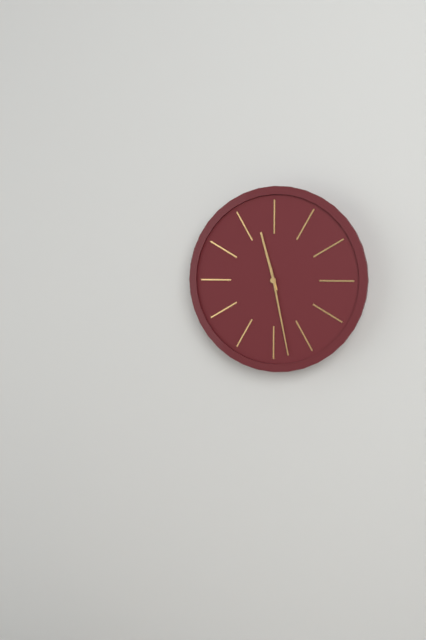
11:28
